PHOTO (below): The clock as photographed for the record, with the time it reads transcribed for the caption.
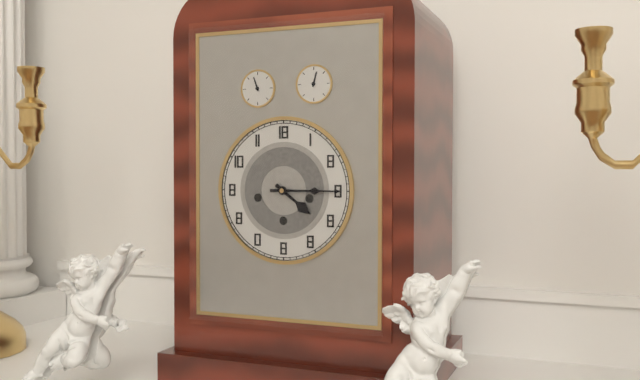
4:15
